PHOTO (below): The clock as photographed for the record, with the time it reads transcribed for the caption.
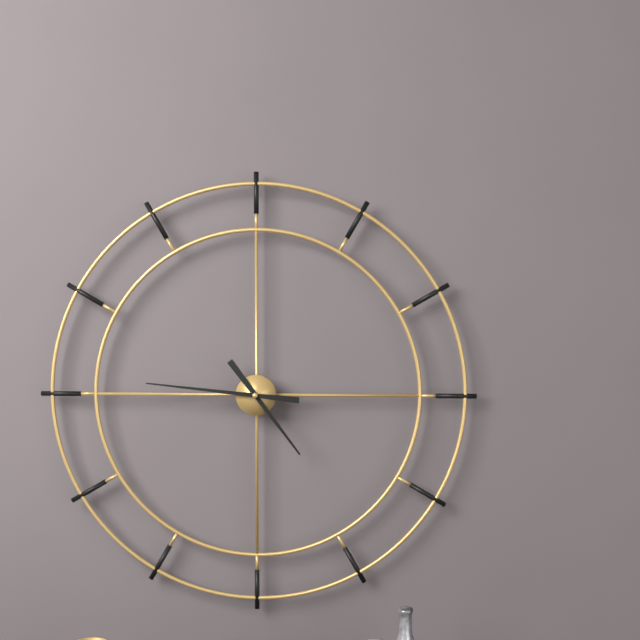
4:46
